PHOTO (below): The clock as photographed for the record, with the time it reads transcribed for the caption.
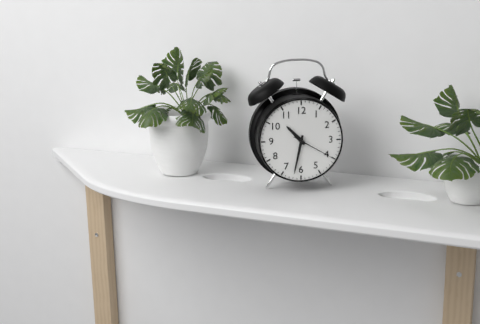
10:32
